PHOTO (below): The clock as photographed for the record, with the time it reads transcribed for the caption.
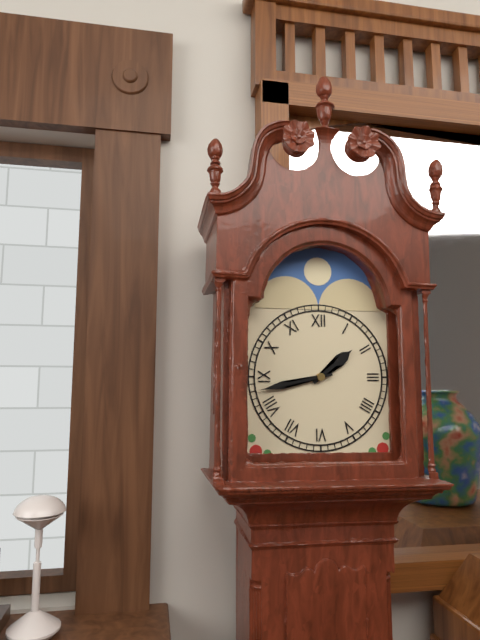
1:43
